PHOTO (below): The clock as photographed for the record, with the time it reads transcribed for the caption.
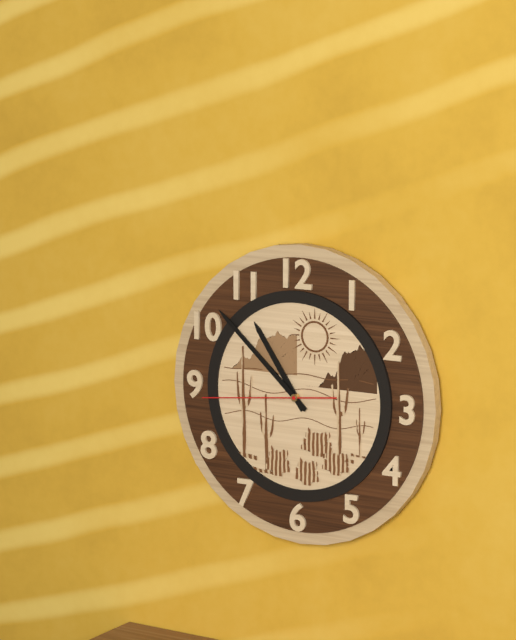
10:52:44
